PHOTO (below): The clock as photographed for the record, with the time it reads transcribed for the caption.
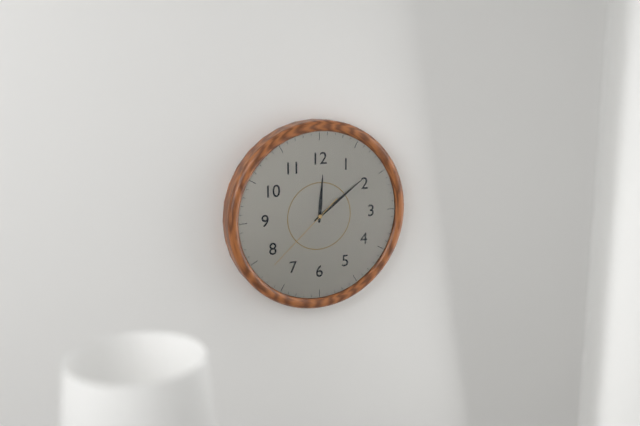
12:09:38
